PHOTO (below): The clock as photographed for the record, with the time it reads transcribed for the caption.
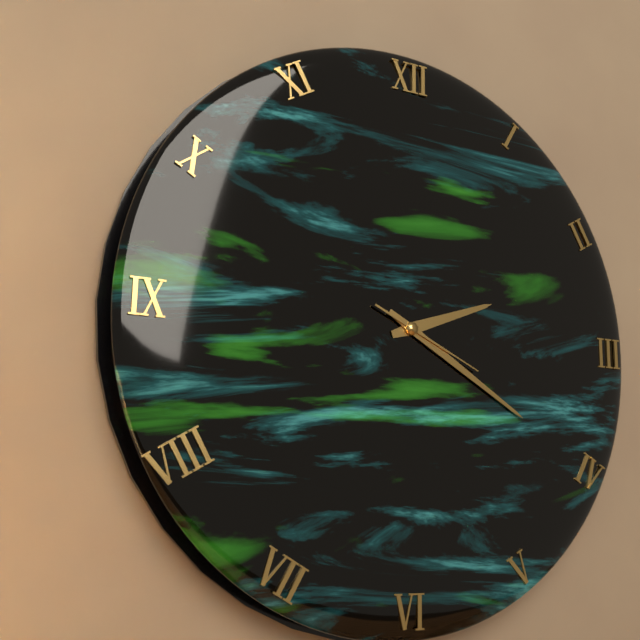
2:20:19
